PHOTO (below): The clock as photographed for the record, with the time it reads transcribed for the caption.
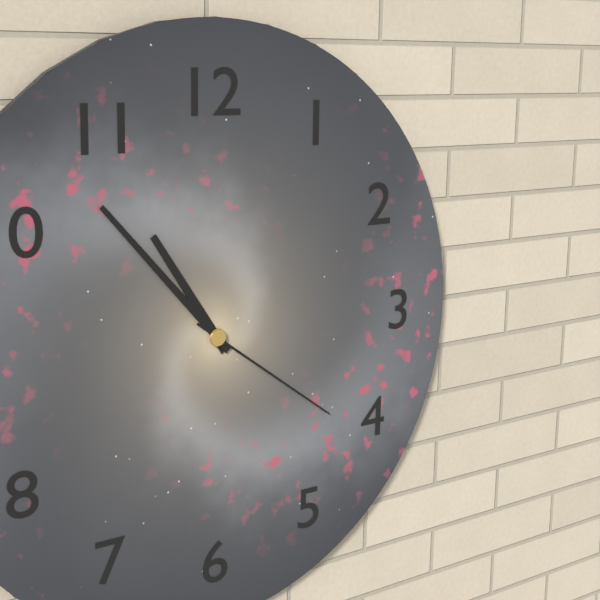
10:53:21
